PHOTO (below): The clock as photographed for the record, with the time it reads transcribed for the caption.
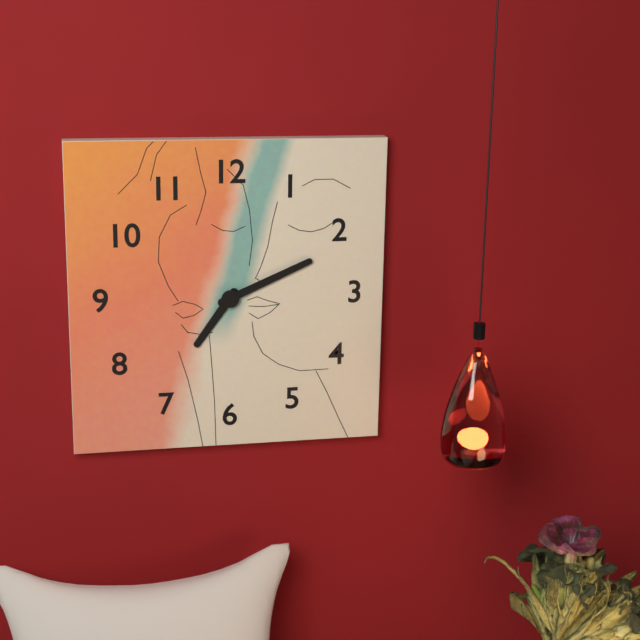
7:11
